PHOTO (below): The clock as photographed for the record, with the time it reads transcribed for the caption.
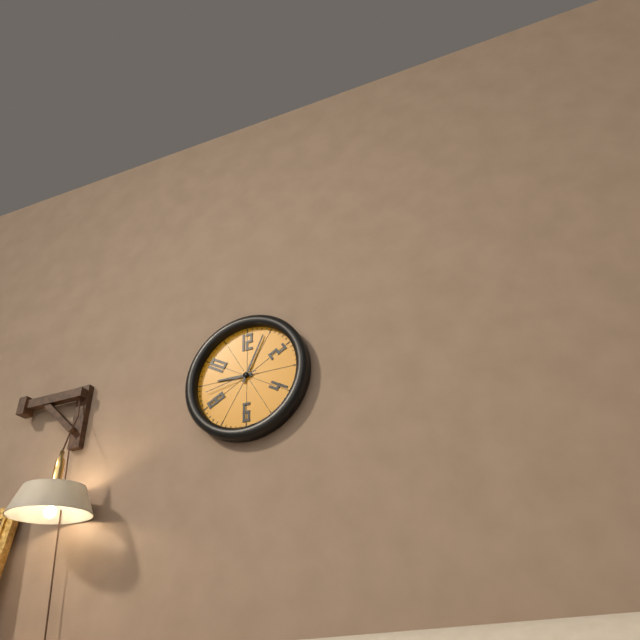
9:04:43
